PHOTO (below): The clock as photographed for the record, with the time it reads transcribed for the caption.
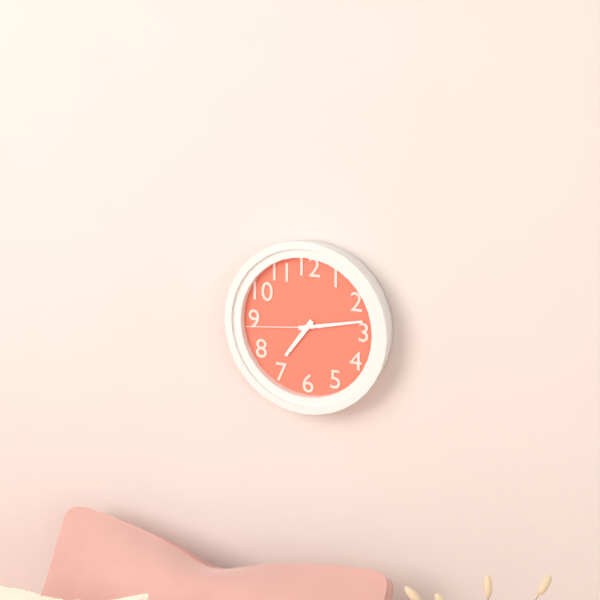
7:13:44
